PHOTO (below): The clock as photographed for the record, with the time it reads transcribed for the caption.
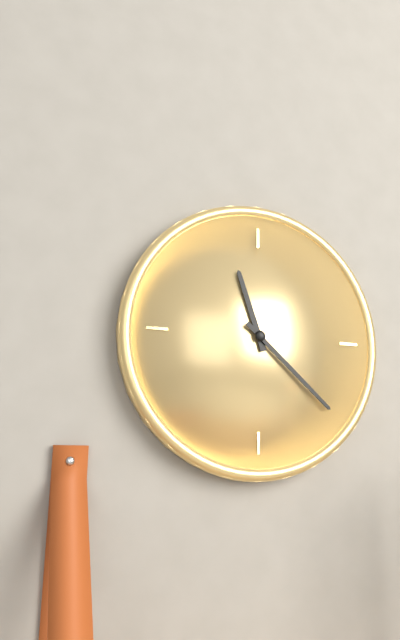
11:22
